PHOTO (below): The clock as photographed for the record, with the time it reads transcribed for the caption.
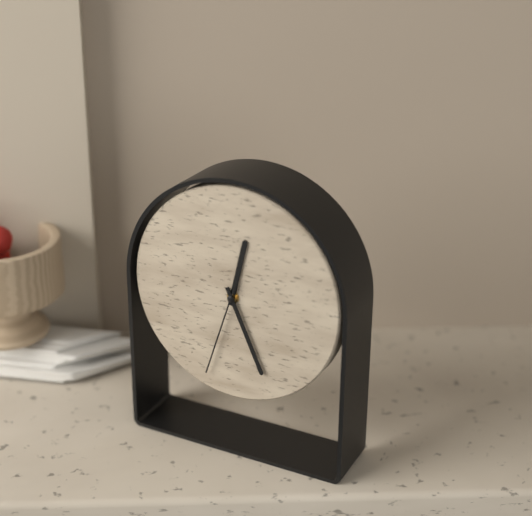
12:26:33
